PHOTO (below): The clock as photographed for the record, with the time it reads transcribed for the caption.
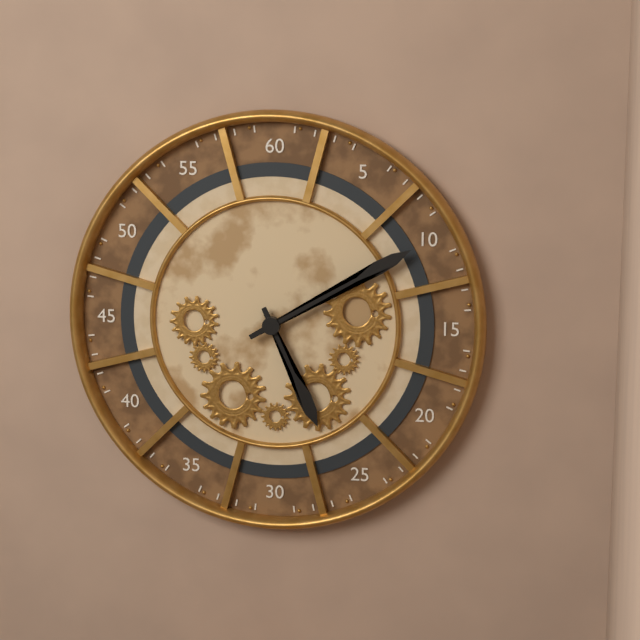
5:10
